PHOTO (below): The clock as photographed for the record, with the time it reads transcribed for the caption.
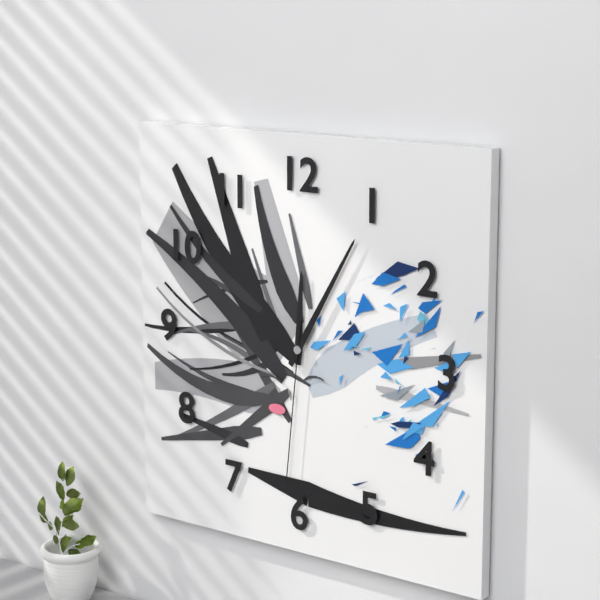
12:05:31
